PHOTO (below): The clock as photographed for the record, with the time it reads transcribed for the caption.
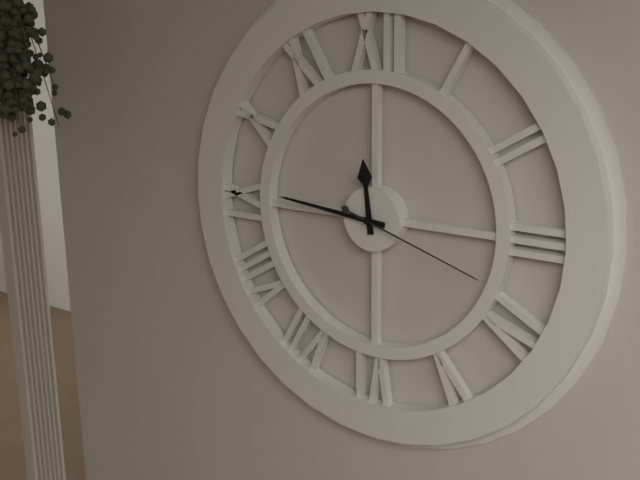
11:46:18
